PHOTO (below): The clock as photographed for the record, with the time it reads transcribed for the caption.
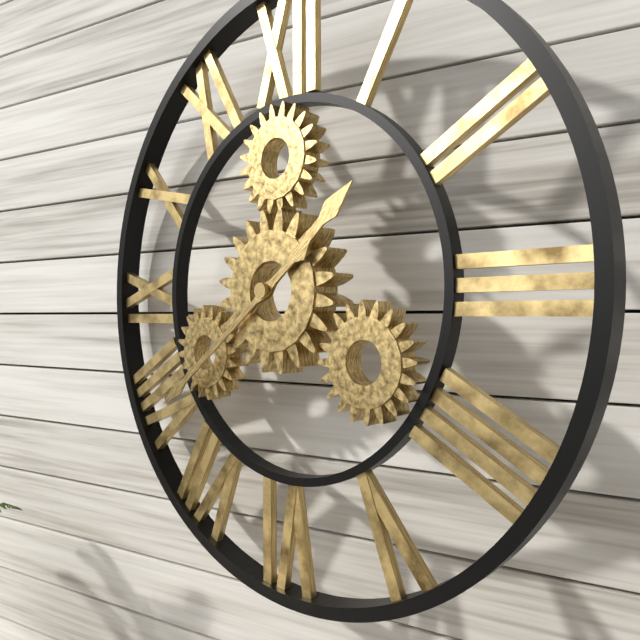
1:39
